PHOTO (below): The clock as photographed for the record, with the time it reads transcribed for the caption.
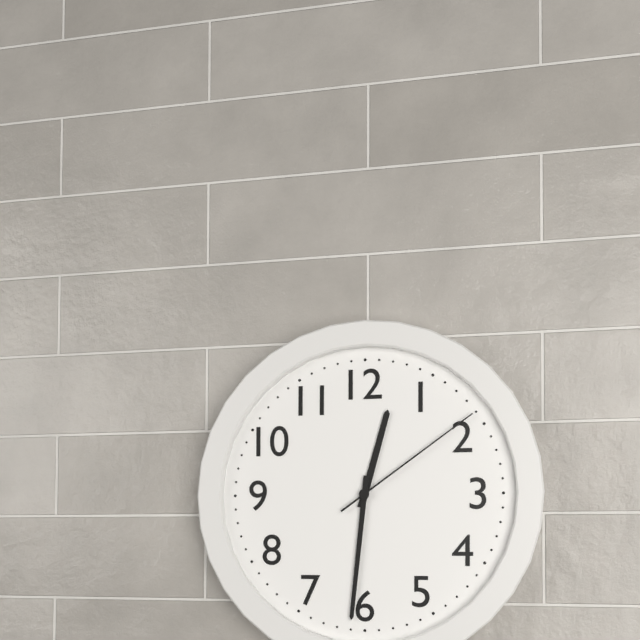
12:31:09
